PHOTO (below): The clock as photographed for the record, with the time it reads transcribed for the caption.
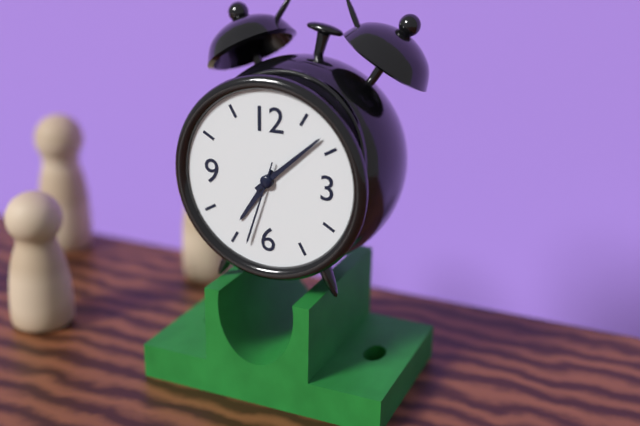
7:08:33
